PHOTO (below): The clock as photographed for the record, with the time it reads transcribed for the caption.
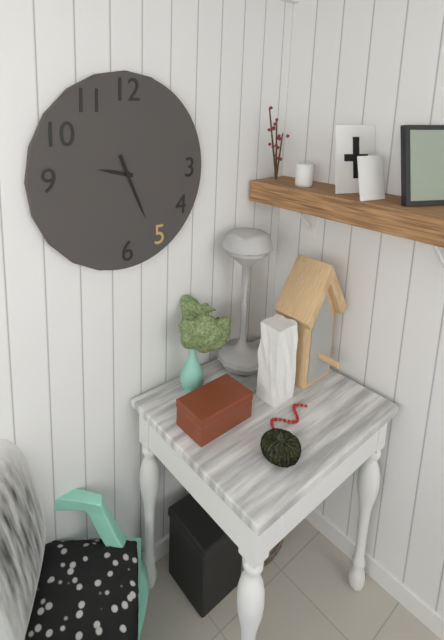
9:26
